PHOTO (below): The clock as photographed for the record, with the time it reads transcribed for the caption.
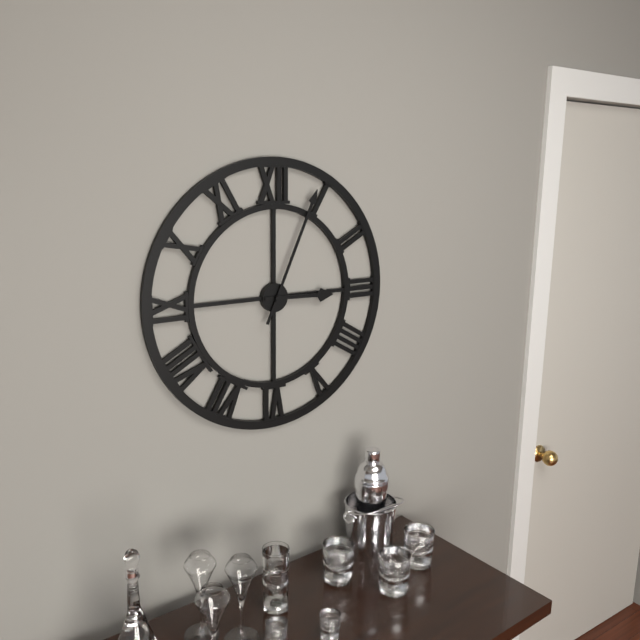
3:04
